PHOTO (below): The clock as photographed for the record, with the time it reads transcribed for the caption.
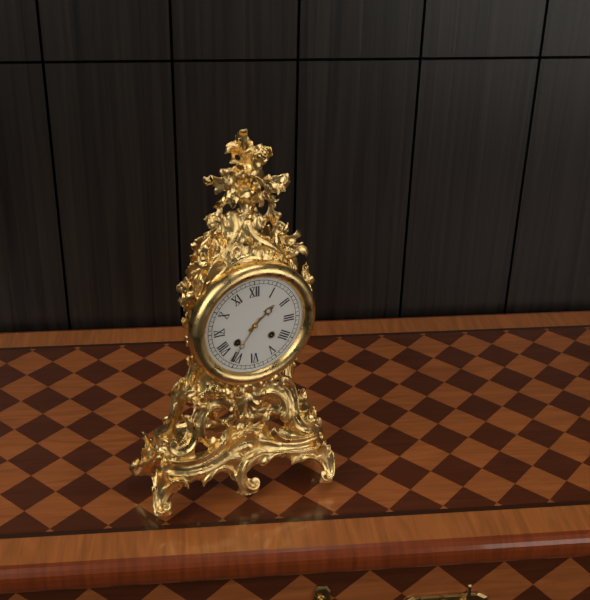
1:36
